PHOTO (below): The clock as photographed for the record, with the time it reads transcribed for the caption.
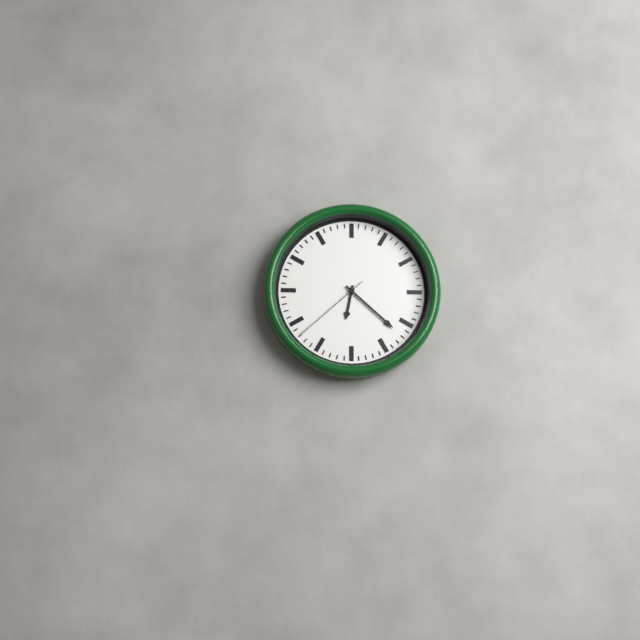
6:22:38
